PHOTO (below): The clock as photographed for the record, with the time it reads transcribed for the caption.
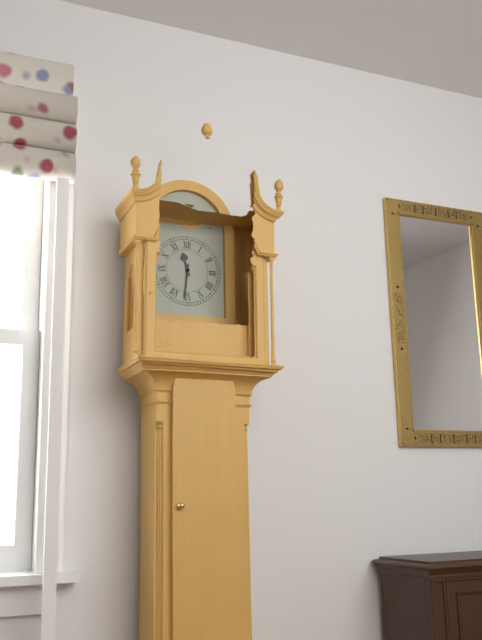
11:31
